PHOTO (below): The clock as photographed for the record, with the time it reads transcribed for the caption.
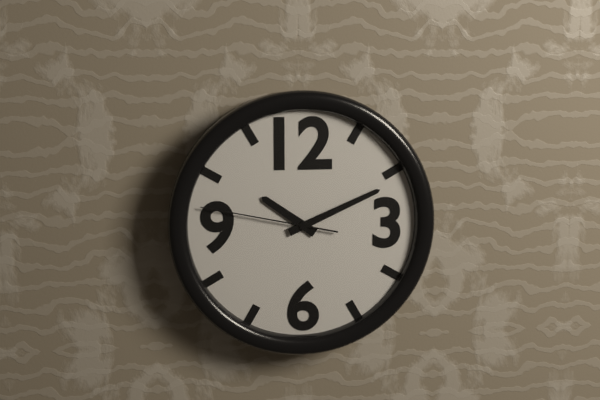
10:11:47
